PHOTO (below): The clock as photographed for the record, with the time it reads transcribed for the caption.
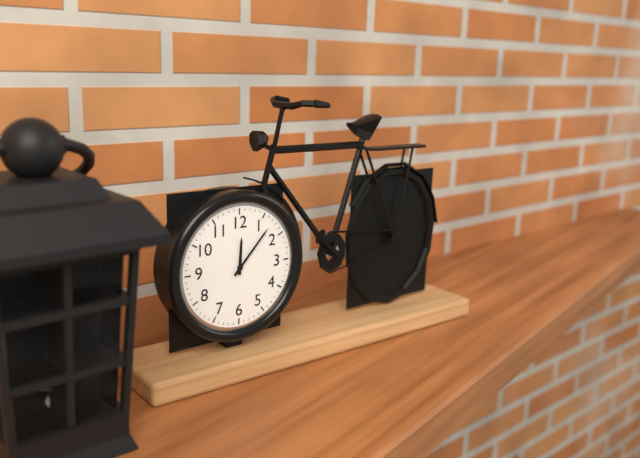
12:07
